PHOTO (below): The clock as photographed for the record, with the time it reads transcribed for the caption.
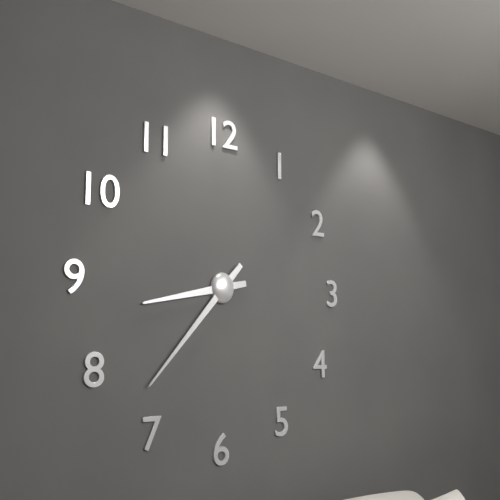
8:37
